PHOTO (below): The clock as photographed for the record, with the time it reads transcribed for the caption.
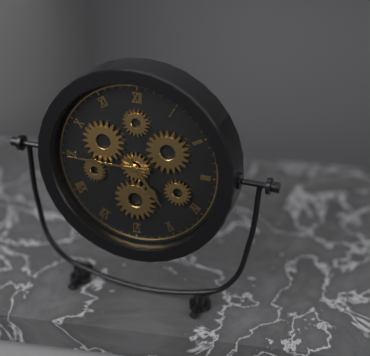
4:45
